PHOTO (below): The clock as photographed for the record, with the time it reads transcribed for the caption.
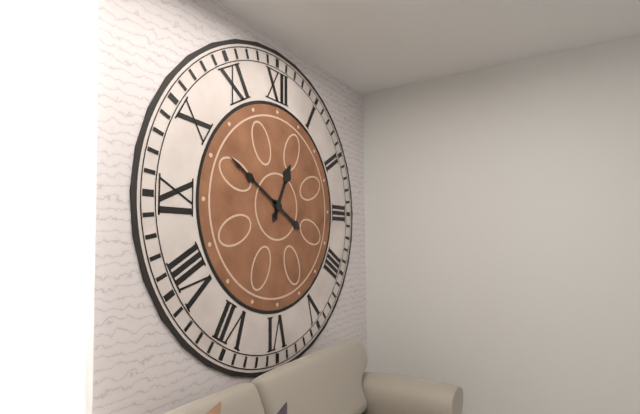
12:50
